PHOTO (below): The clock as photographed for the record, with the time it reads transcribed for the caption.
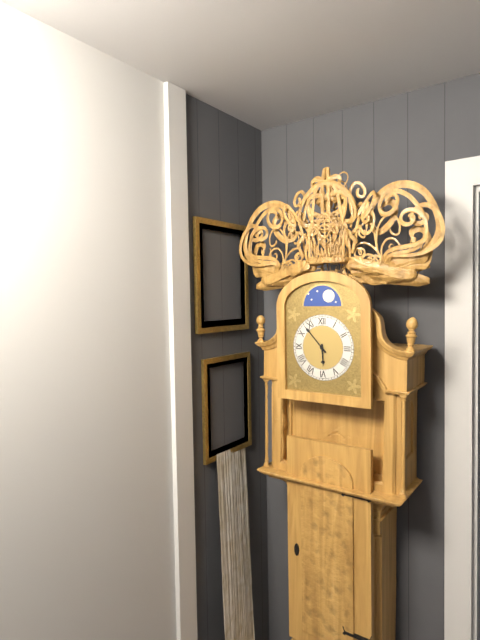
5:53
